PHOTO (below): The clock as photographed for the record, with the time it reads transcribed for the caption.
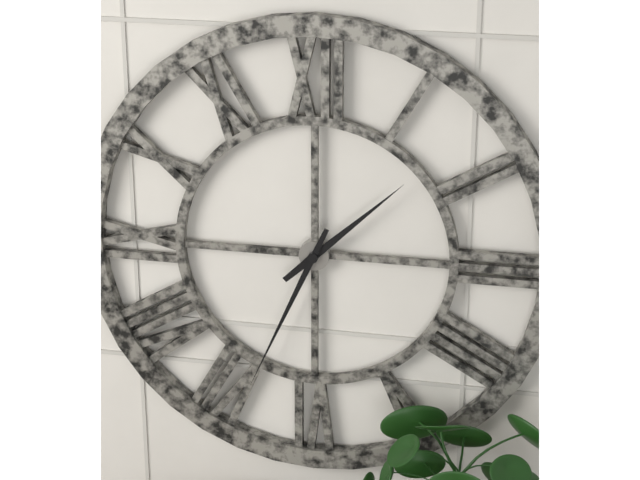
1:34
